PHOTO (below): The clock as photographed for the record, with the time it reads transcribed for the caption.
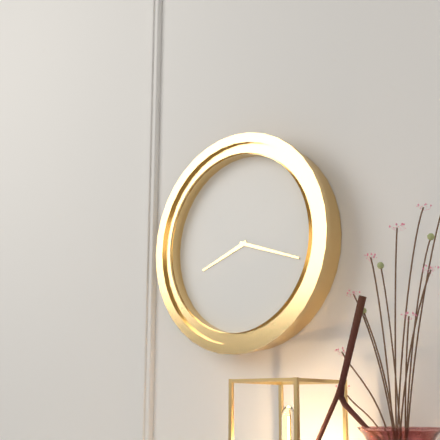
8:18
